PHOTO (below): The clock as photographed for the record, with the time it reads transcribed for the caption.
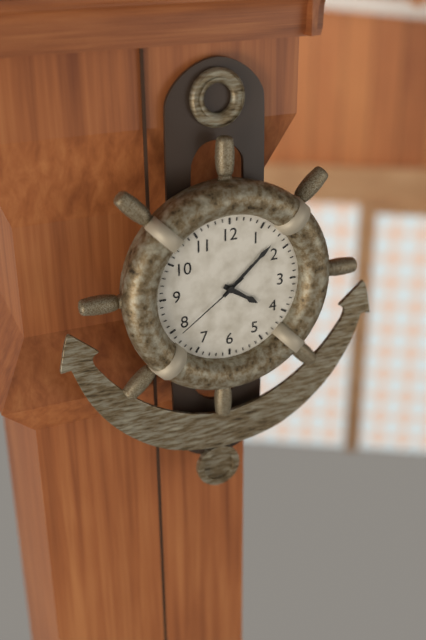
4:08:39
